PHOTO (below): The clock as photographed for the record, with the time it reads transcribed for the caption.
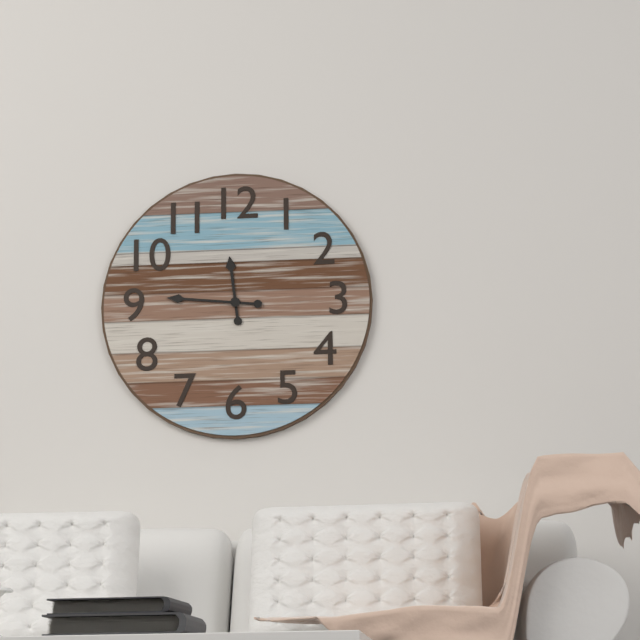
11:46
